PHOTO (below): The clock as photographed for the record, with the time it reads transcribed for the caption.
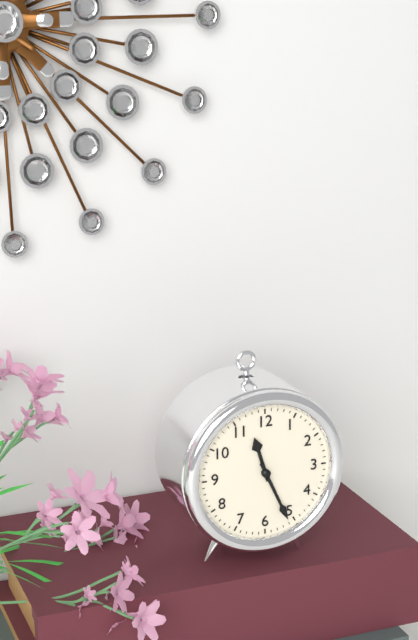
11:26
